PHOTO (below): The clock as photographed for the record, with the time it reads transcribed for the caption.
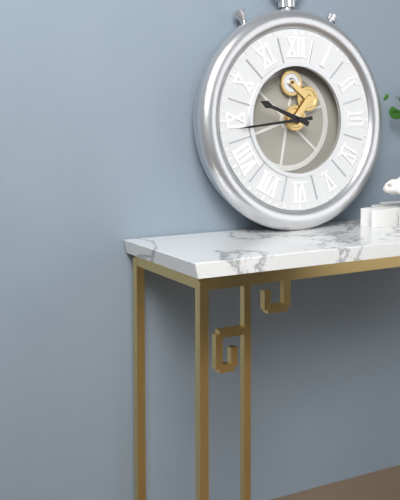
9:44
